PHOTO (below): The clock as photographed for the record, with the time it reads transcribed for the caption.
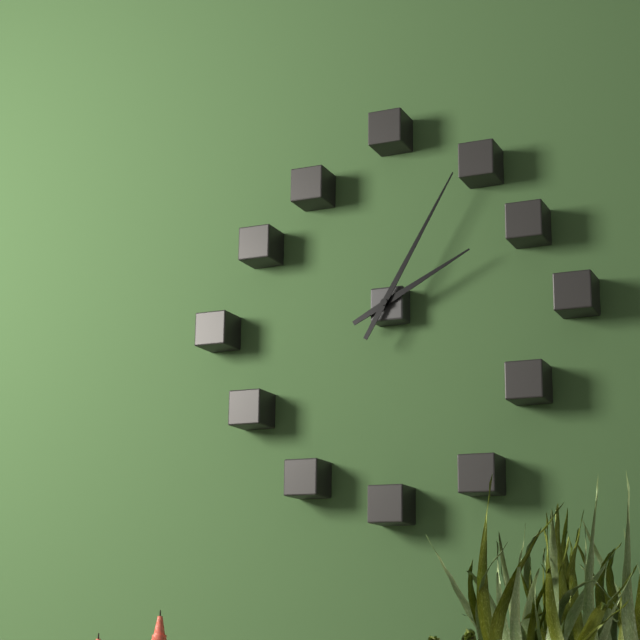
2:05
